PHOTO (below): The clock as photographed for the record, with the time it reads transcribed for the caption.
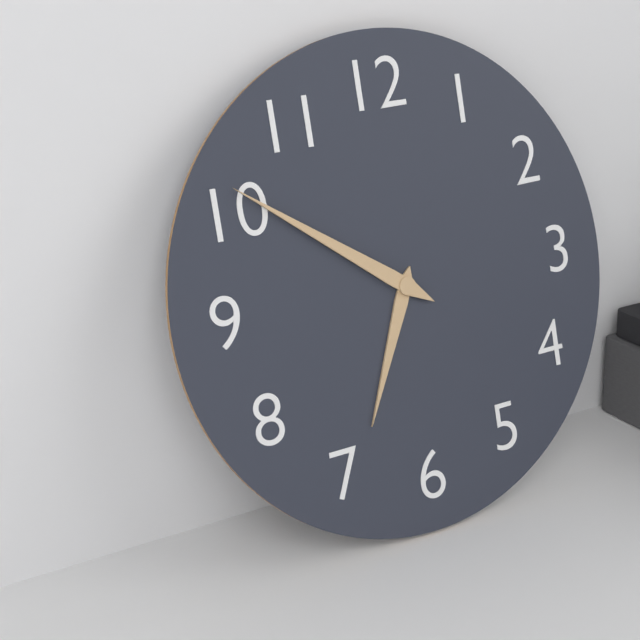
6:51
